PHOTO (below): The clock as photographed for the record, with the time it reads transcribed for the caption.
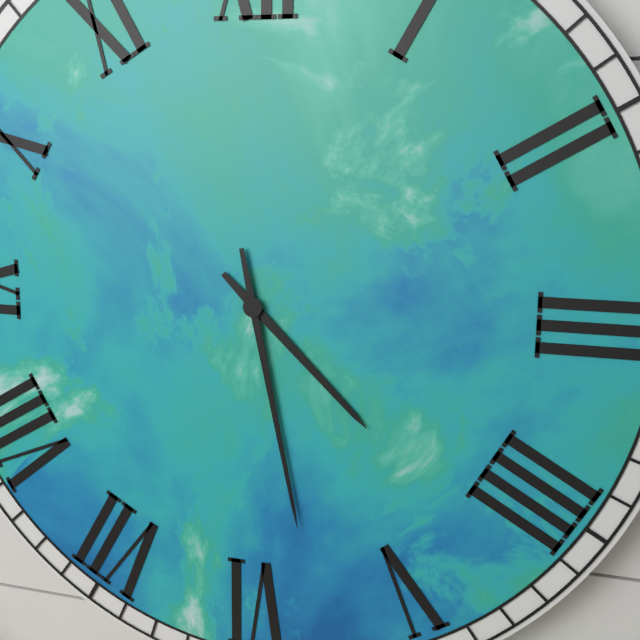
4:28
